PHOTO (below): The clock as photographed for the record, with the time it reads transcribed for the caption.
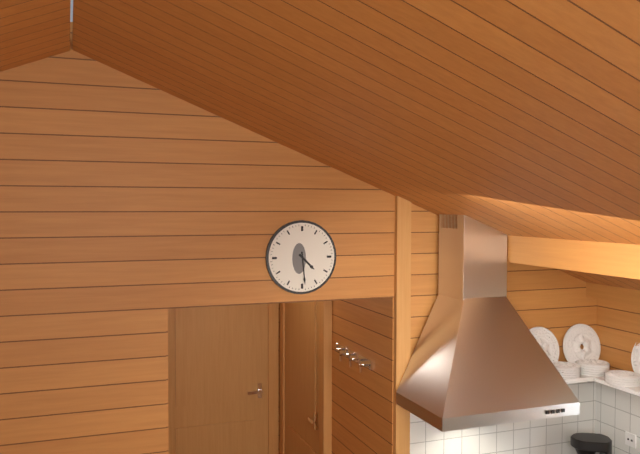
4:29
